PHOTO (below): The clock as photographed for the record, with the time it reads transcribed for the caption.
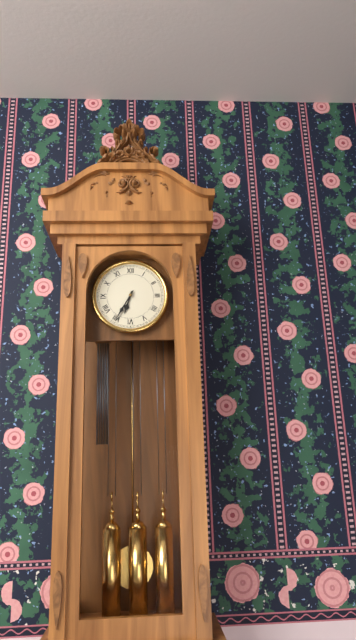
6:35
